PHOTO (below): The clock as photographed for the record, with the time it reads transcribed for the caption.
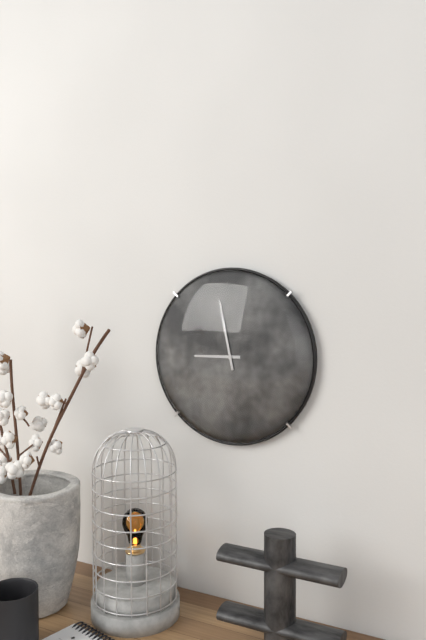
8:58
